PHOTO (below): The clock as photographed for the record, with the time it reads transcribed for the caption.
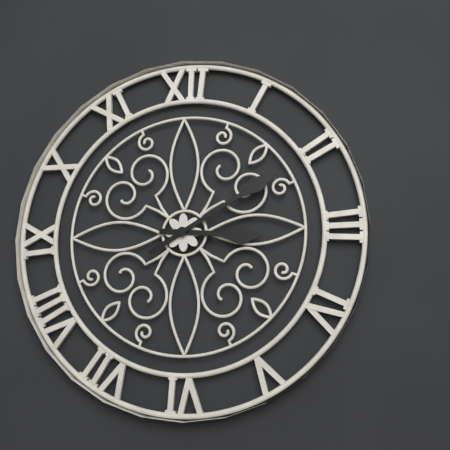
3:10
